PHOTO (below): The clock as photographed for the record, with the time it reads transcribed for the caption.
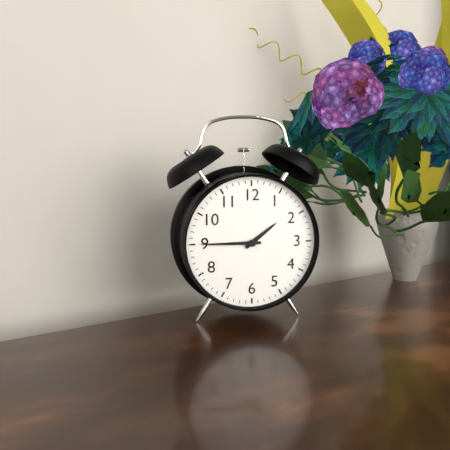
1:45
